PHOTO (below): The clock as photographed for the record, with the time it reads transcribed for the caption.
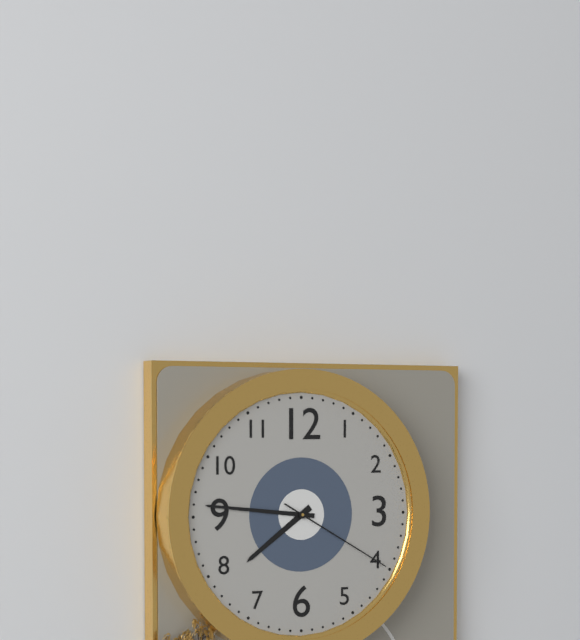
7:46:20
